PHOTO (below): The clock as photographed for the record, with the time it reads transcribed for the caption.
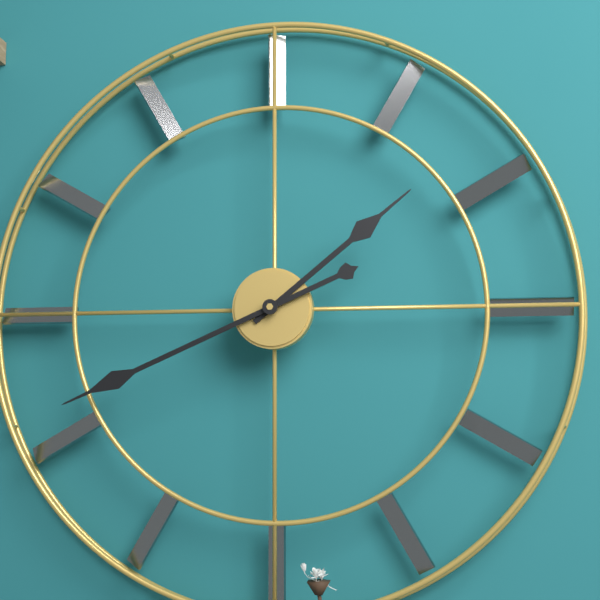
1:41
